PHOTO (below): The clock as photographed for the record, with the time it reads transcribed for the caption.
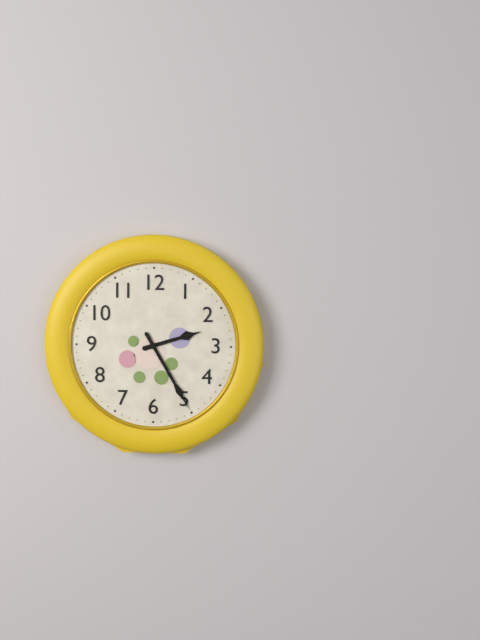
2:25
